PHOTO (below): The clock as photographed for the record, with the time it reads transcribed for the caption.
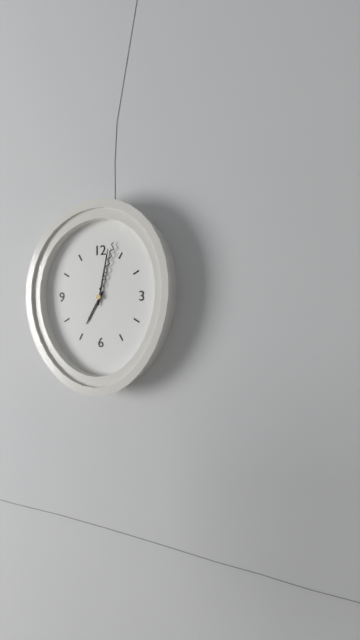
7:02:03
